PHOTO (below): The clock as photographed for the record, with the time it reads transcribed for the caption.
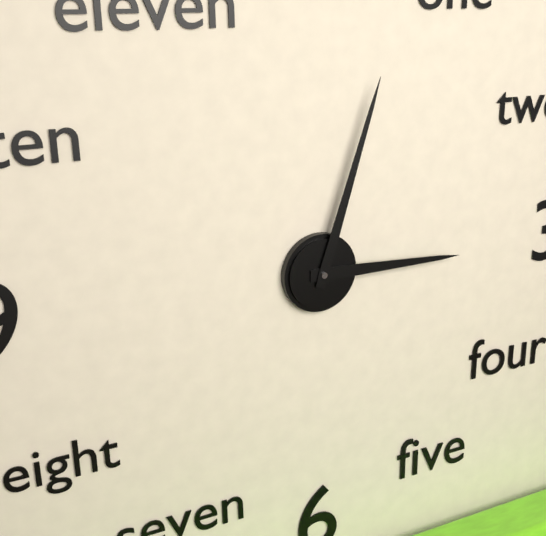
3:03
